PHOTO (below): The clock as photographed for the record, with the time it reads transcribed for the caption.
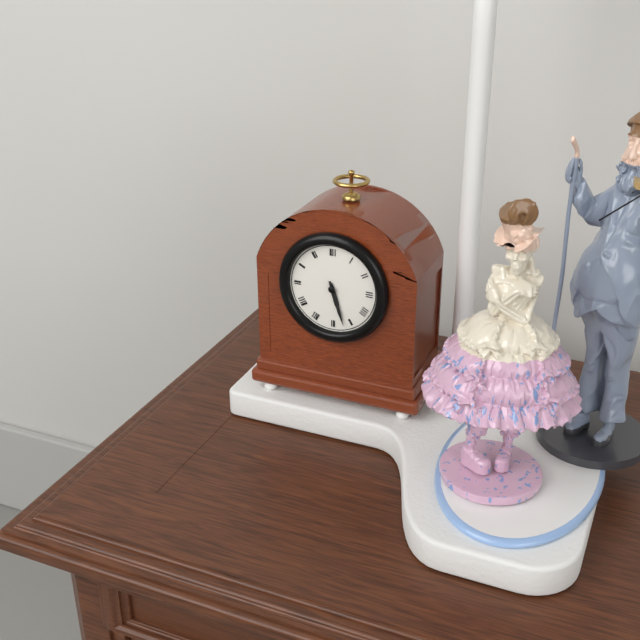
5:27
